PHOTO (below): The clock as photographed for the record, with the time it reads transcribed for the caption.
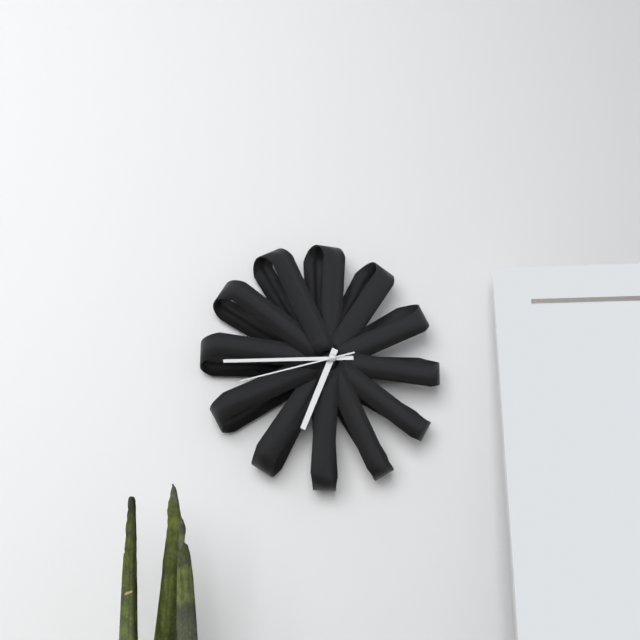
6:44:42
